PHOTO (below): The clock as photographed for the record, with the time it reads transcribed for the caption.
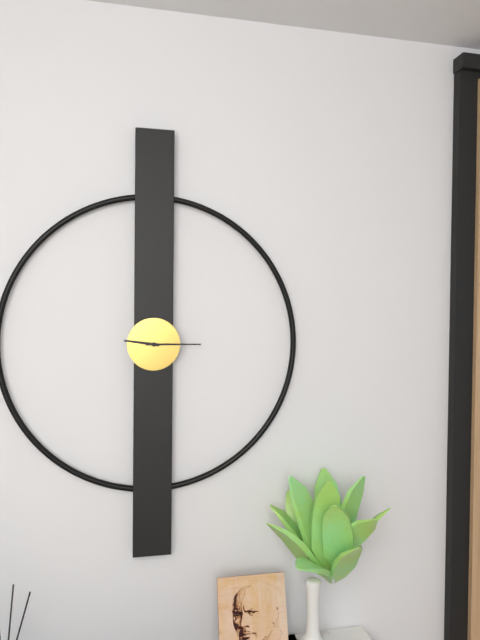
9:15
